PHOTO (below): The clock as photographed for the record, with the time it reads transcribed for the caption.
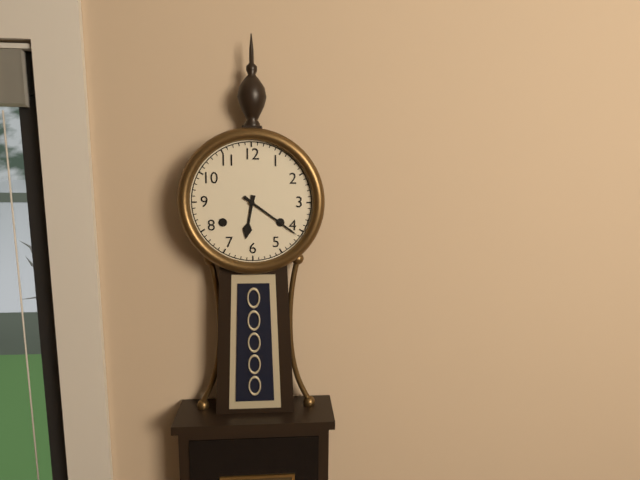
6:21
